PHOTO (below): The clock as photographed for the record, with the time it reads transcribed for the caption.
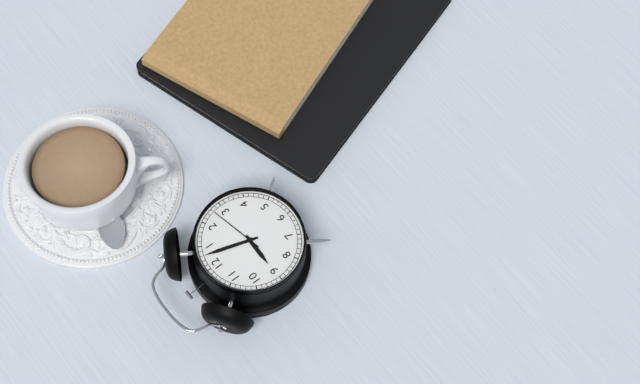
9:03:13
